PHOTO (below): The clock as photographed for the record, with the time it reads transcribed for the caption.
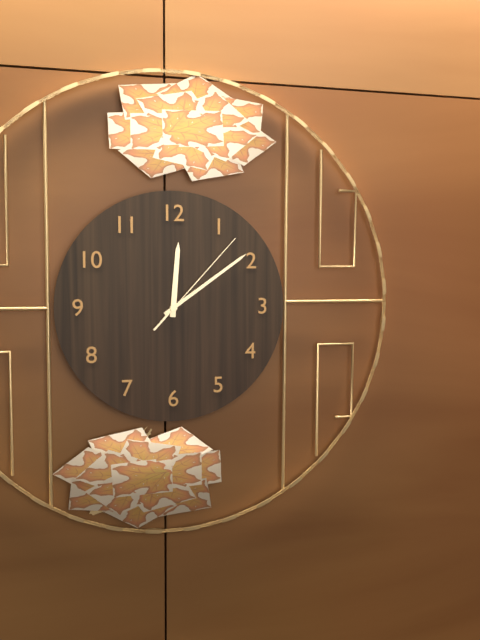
12:09:07
